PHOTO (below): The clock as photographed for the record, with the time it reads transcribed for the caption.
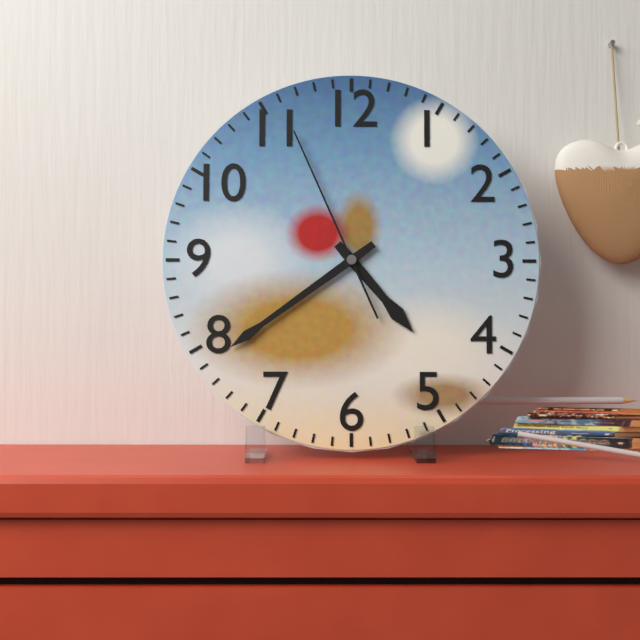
4:39:56
